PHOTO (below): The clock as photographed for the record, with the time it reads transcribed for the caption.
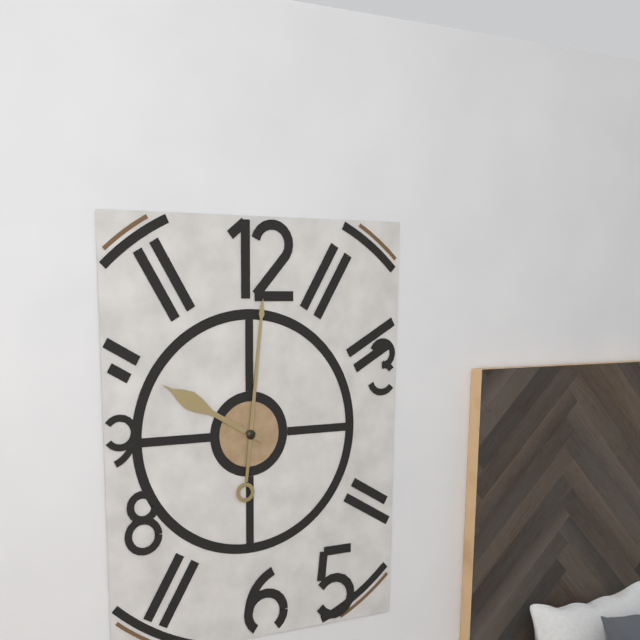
10:01
